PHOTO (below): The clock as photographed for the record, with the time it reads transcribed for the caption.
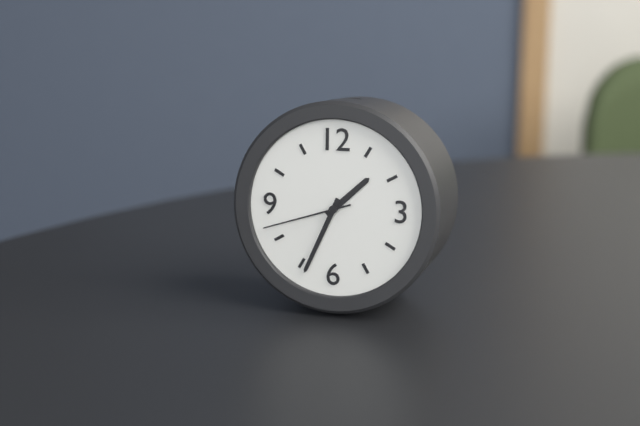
1:34:42
